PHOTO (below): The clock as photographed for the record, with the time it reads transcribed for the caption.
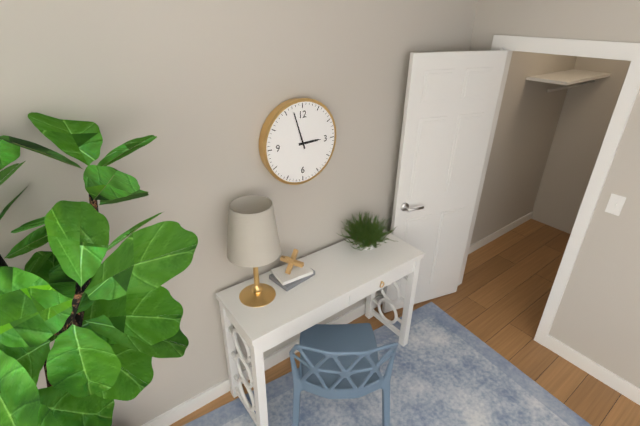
2:57
